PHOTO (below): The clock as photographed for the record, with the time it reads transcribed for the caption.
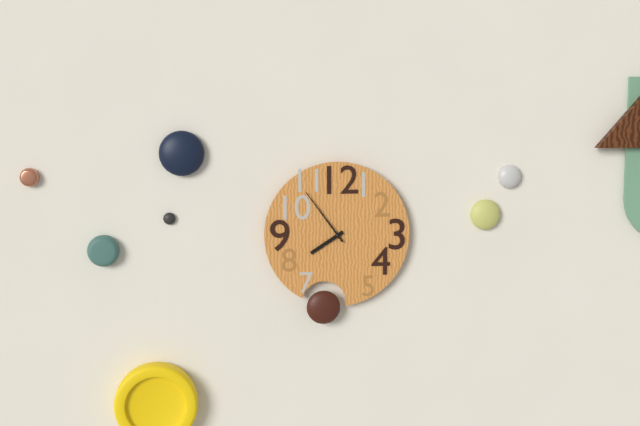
7:54
